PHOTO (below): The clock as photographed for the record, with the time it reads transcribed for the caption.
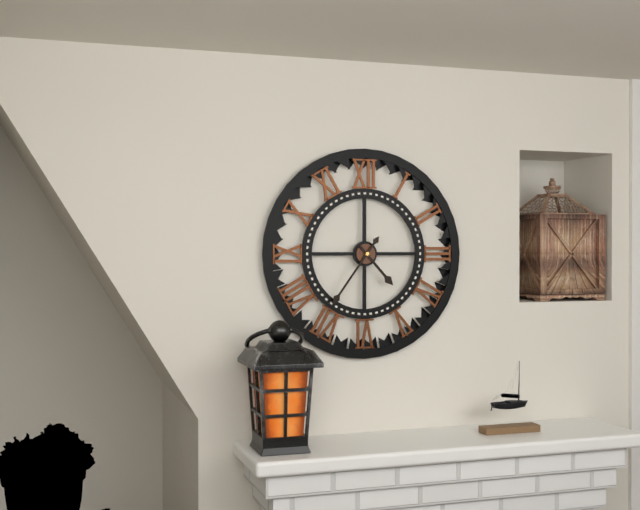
4:36
